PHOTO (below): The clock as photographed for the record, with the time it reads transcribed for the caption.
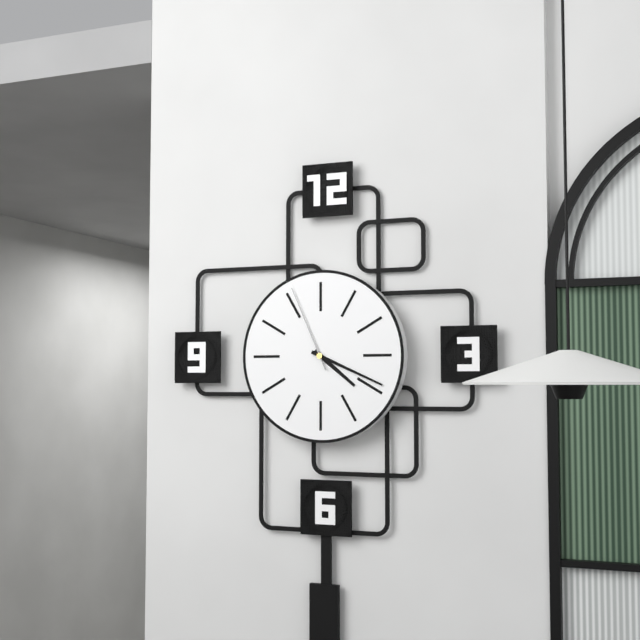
4:19:56
